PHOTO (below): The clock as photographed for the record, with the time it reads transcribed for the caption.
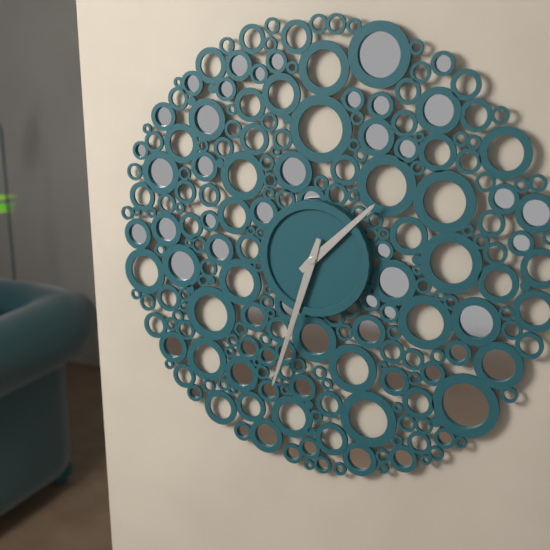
1:33
